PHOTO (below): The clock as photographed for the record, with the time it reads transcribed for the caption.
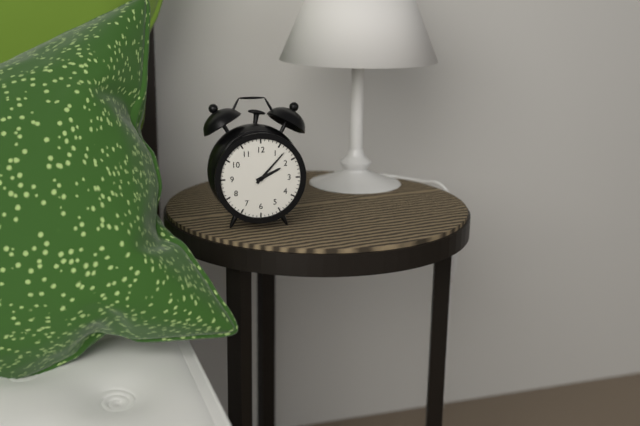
2:07
